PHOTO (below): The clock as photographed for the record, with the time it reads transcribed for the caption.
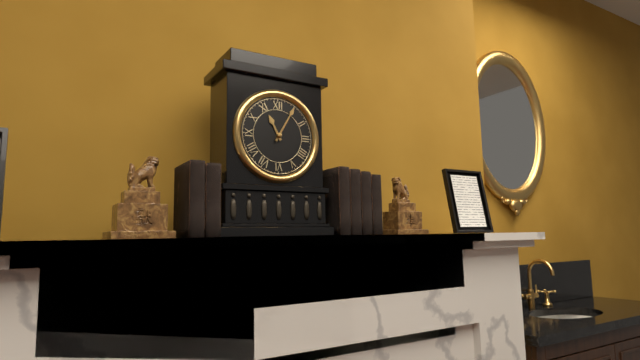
11:05
